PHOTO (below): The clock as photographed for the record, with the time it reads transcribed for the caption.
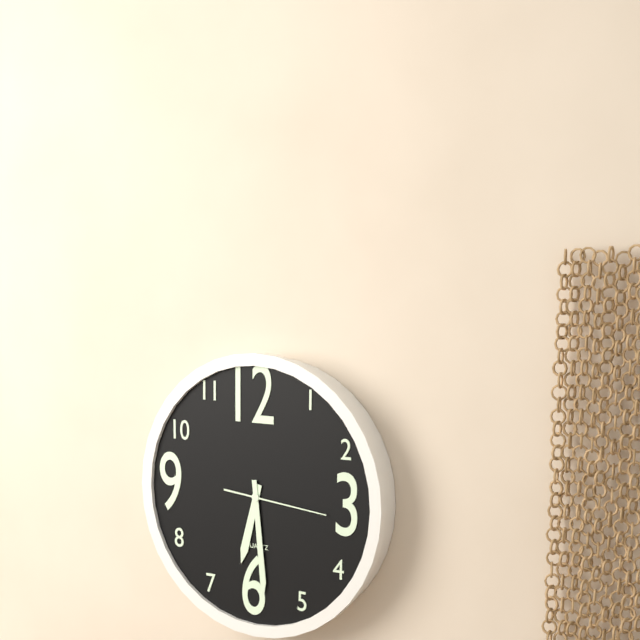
6:29:16
